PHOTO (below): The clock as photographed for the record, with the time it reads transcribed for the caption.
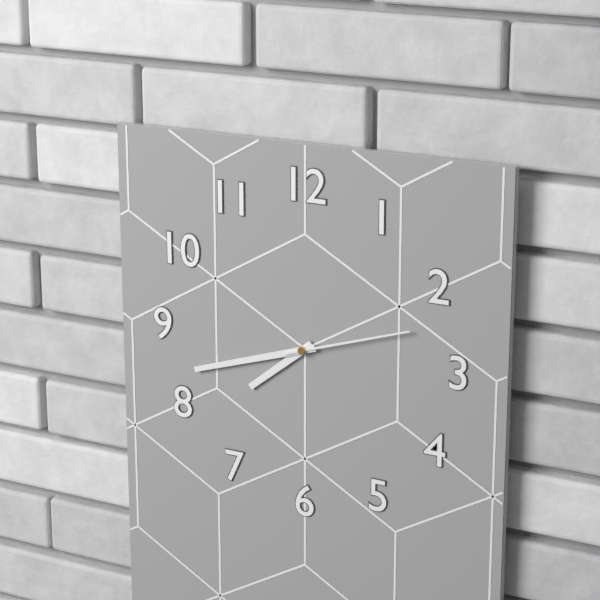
7:42:12
